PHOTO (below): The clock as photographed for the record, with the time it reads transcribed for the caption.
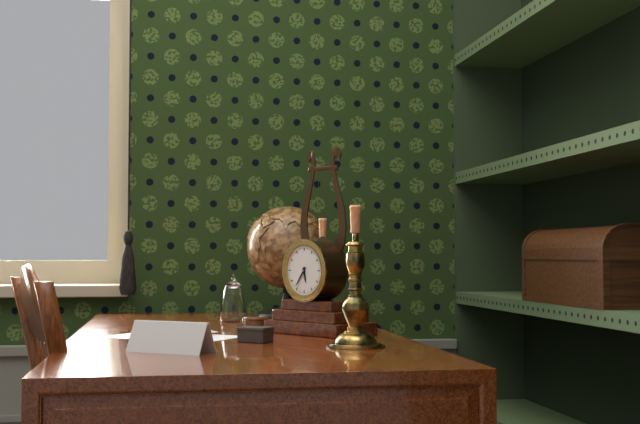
5:36
